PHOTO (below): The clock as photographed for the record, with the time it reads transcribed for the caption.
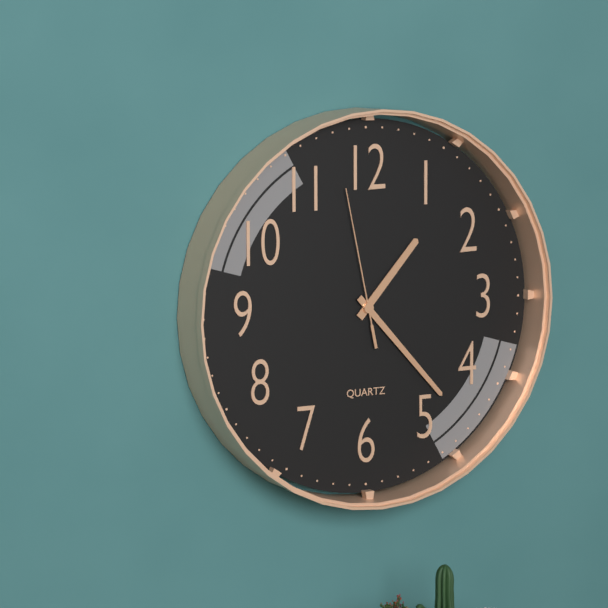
1:23:58
